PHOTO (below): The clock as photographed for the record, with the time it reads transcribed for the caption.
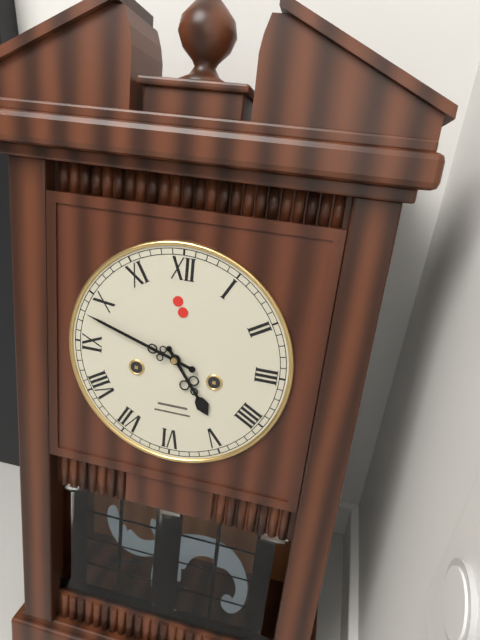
4:48
